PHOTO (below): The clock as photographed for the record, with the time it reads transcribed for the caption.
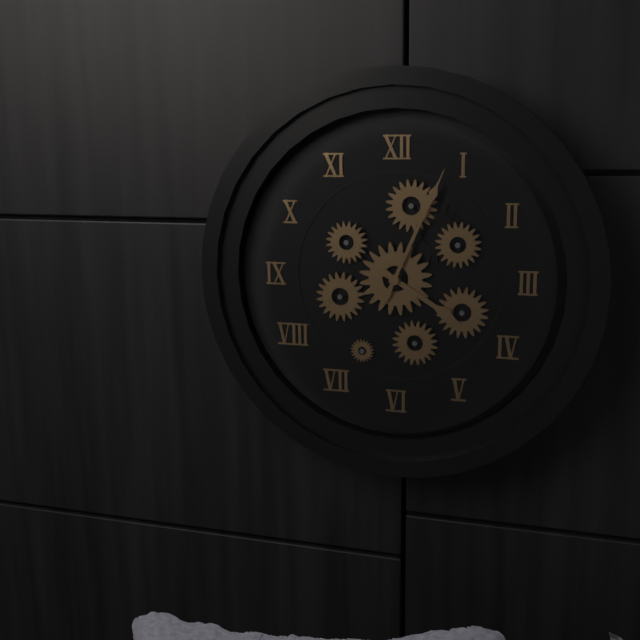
4:04
